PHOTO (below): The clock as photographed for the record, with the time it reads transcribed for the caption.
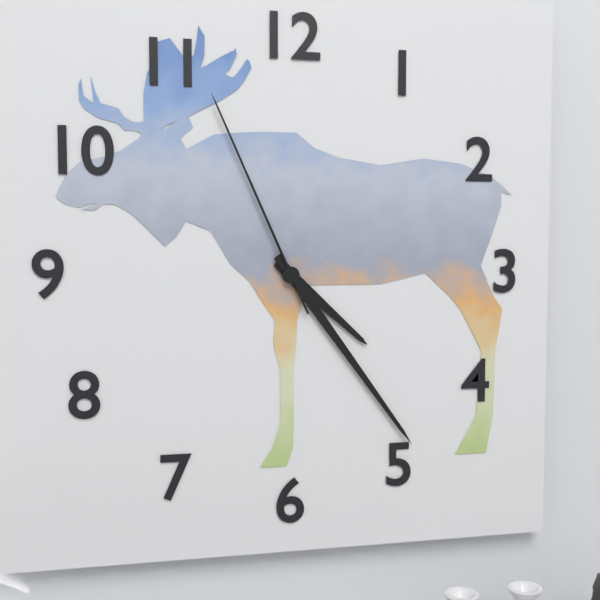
4:24:56
